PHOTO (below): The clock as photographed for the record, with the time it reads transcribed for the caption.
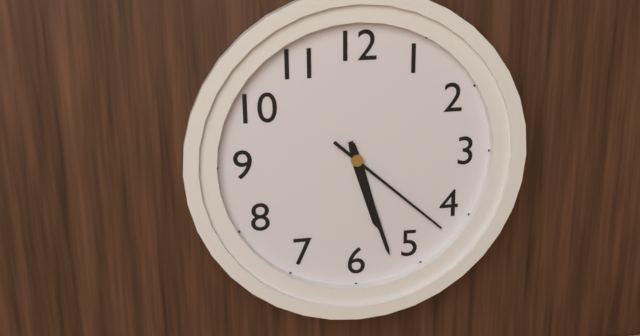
5:27:22
